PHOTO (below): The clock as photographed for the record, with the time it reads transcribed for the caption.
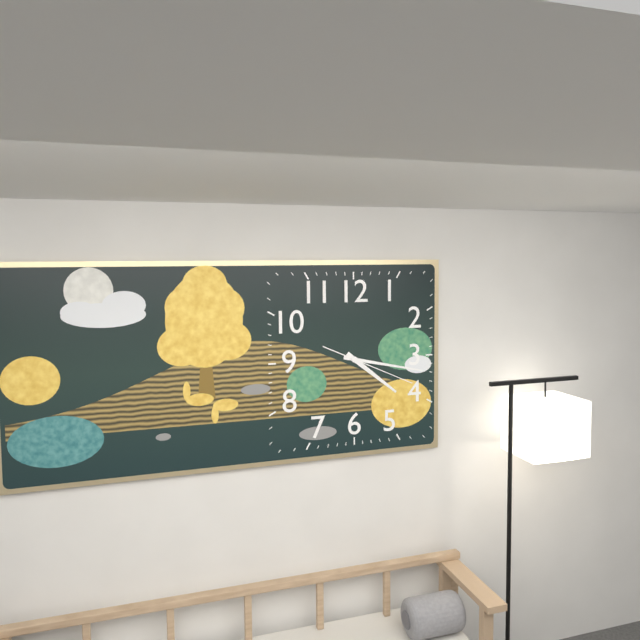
4:17:19
